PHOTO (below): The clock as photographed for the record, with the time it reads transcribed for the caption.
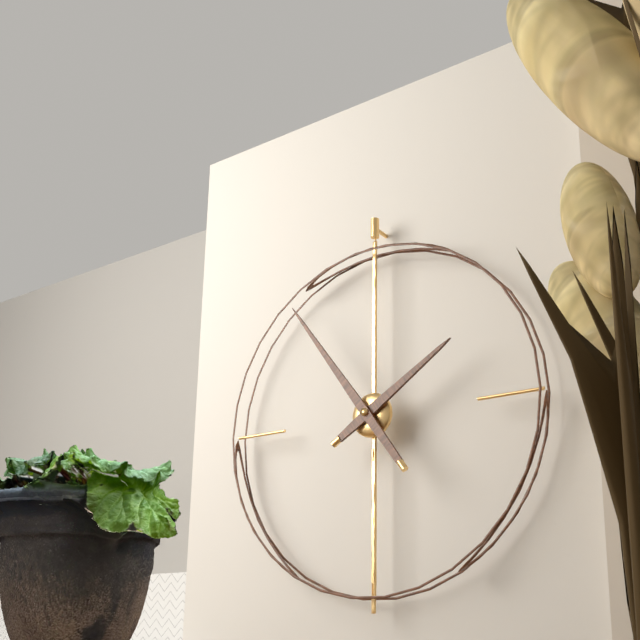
1:54
